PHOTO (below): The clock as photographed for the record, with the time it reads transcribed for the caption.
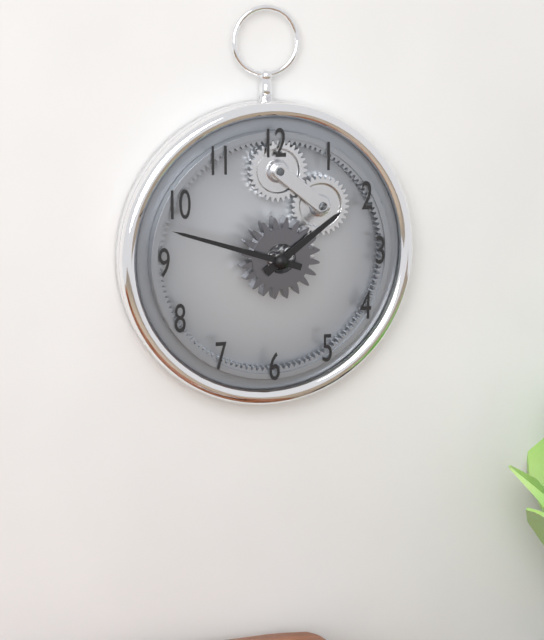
1:48
